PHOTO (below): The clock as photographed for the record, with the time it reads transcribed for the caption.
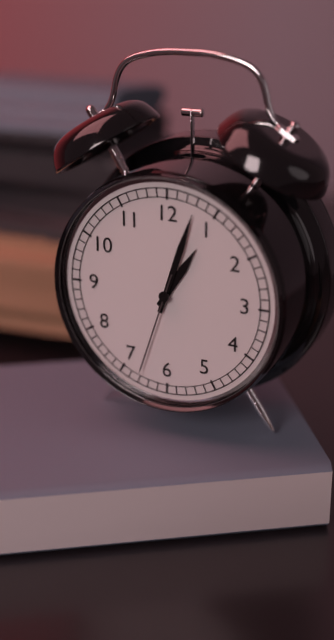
1:03:33
